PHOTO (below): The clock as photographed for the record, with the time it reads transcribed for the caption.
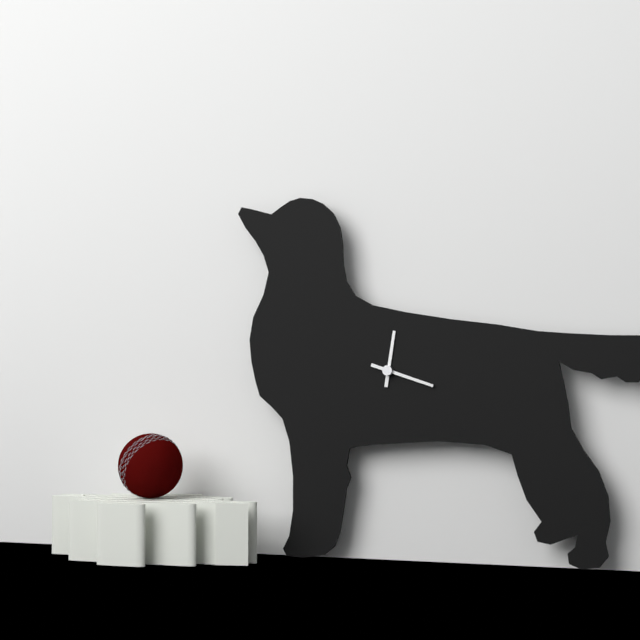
12:18
